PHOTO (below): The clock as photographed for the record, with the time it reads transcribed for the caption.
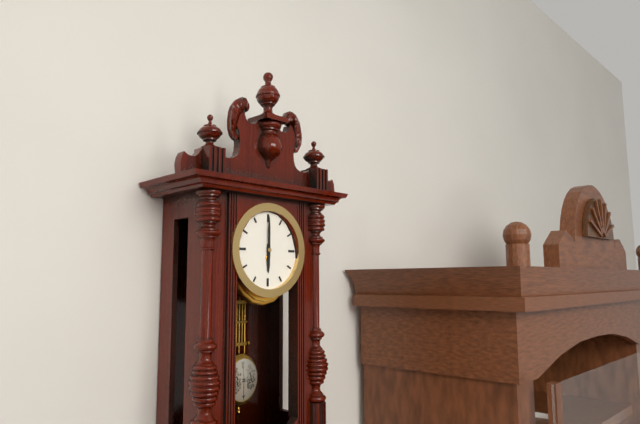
6:00
